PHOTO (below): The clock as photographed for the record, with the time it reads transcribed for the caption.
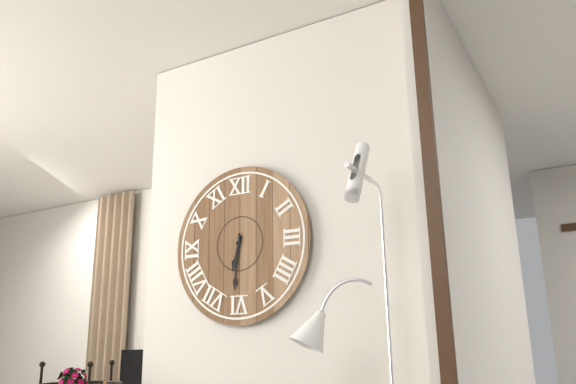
6:31
